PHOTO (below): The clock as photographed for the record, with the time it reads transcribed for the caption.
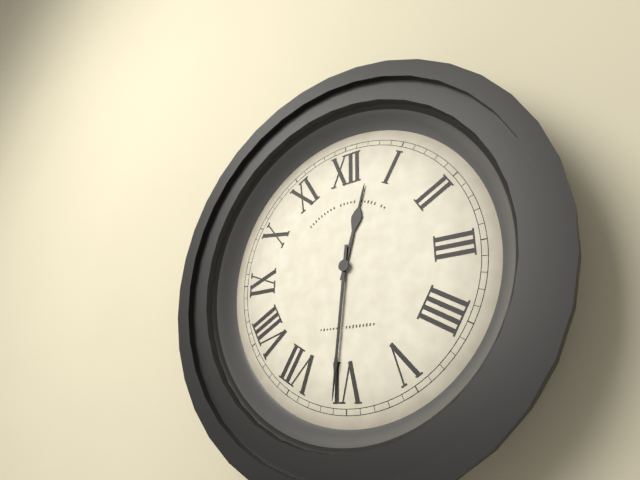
12:31
